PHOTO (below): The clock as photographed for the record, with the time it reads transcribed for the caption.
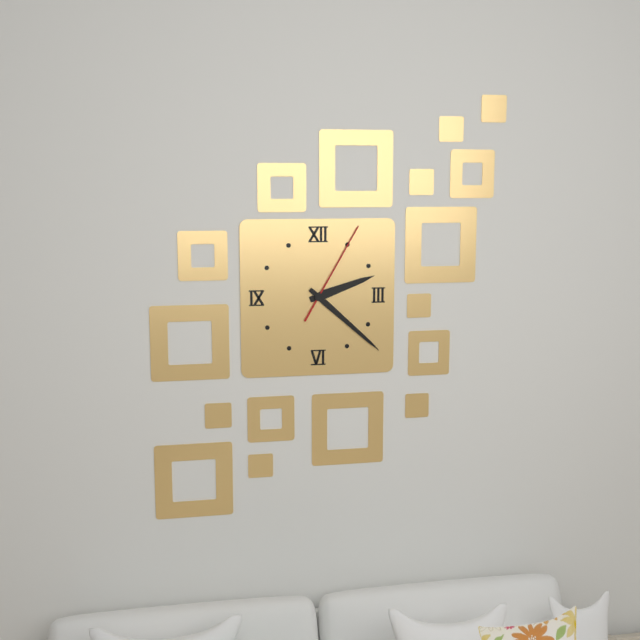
2:22:05
